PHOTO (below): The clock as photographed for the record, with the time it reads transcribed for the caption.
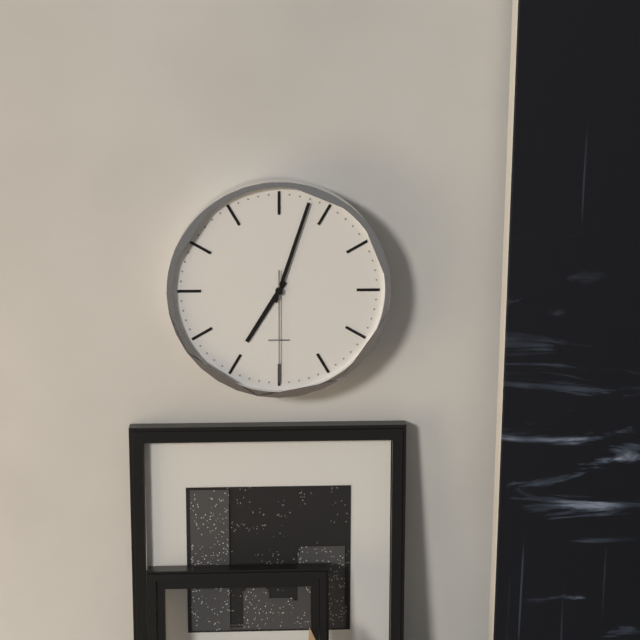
7:03:30
